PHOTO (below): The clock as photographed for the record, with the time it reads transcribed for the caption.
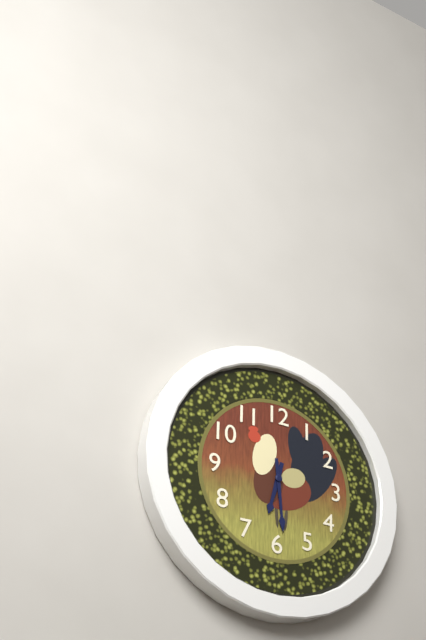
6:29
